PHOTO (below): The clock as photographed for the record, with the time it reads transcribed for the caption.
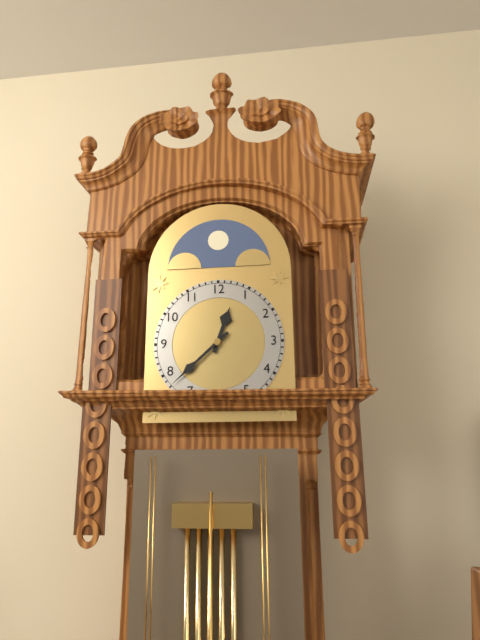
12:38
